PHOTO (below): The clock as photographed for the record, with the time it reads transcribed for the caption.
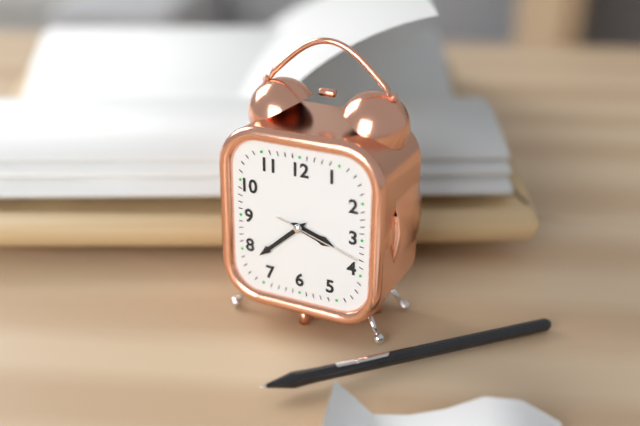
3:38:18
